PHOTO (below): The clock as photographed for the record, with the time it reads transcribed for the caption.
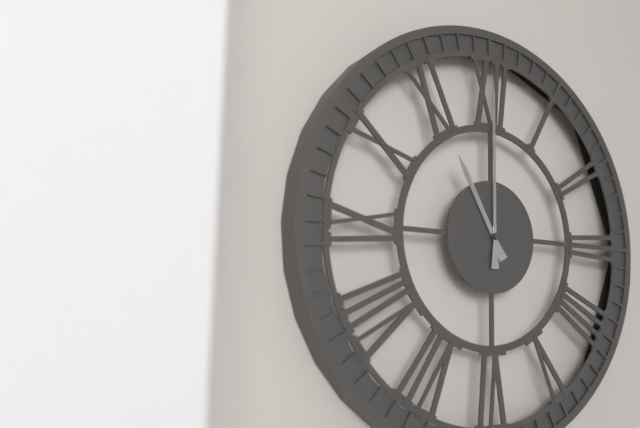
11:00
